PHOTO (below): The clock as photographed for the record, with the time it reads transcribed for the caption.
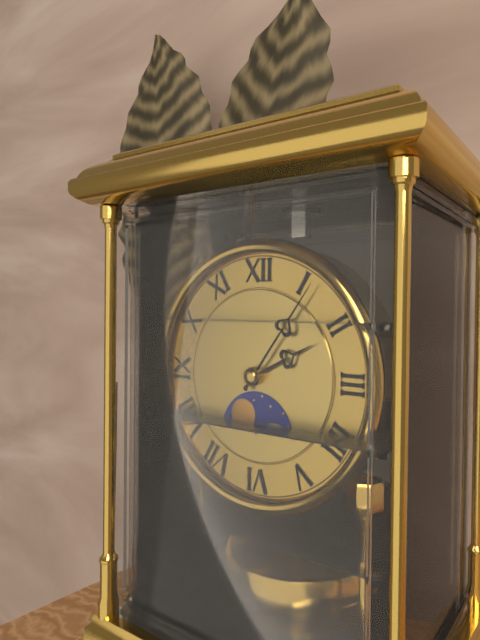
2:06
